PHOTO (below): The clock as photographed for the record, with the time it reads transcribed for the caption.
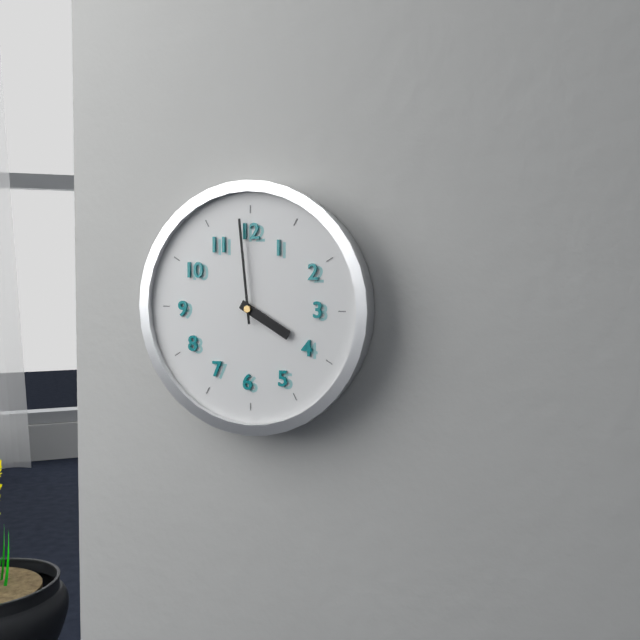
3:59
